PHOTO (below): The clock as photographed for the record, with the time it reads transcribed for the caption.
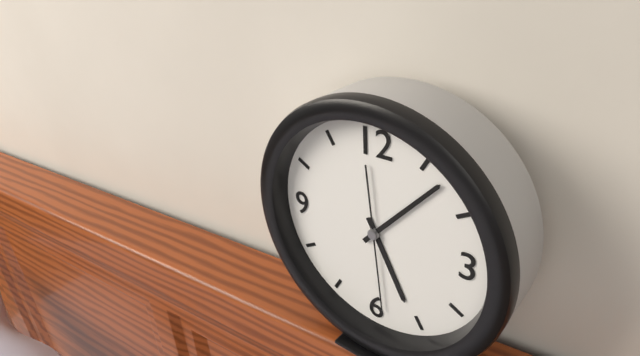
5:07:29
